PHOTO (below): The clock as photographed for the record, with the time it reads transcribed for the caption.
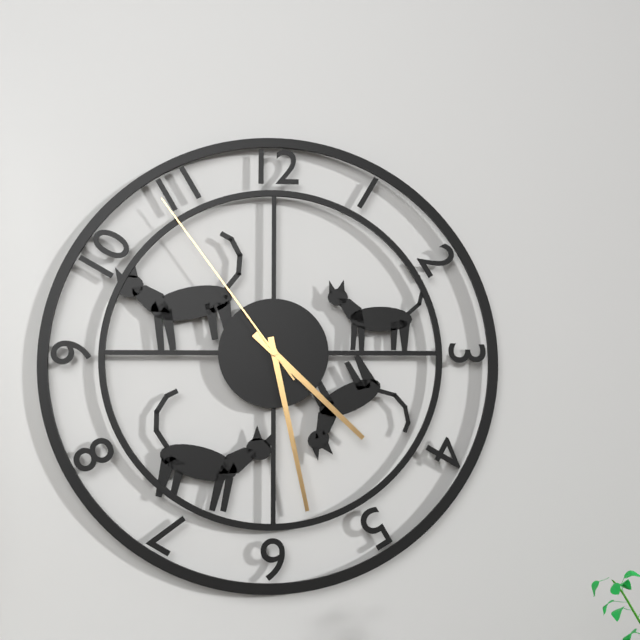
4:28:54
